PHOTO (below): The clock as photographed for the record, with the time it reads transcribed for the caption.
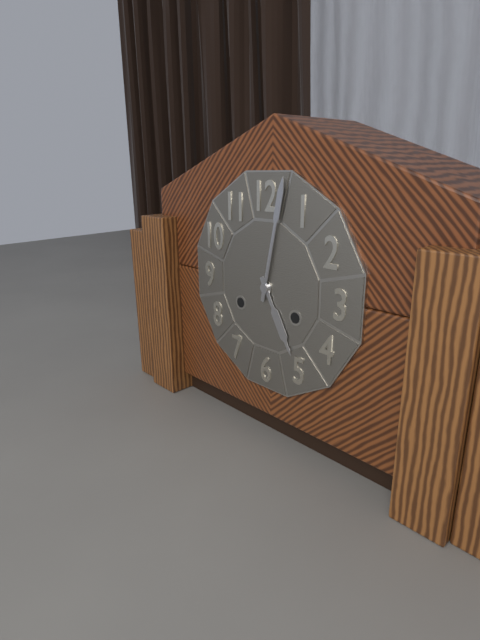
5:02
